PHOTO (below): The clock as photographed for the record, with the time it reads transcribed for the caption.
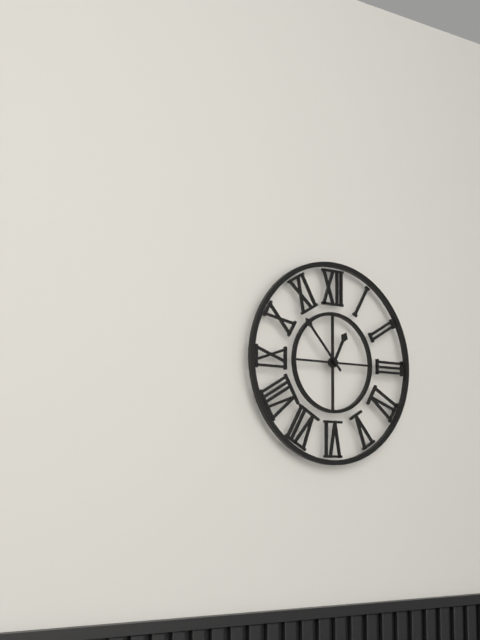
12:53
